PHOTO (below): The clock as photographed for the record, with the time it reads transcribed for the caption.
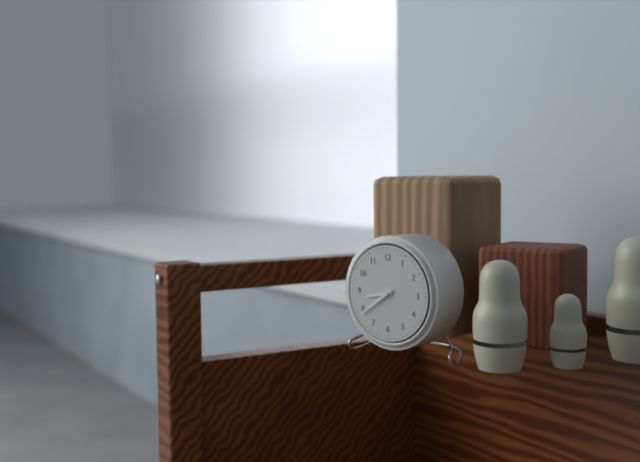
8:39
